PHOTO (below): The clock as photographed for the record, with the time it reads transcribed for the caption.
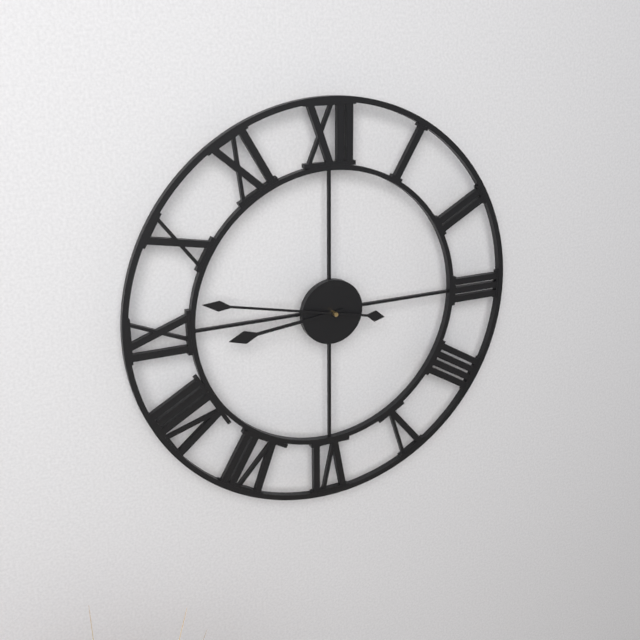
8:47
